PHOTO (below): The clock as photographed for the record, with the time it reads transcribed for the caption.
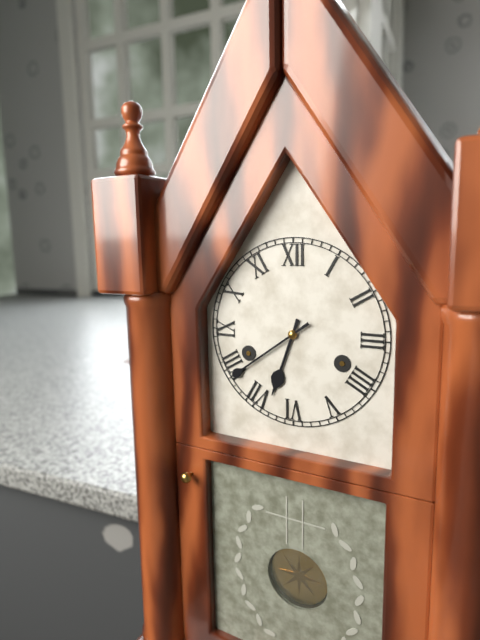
6:39
